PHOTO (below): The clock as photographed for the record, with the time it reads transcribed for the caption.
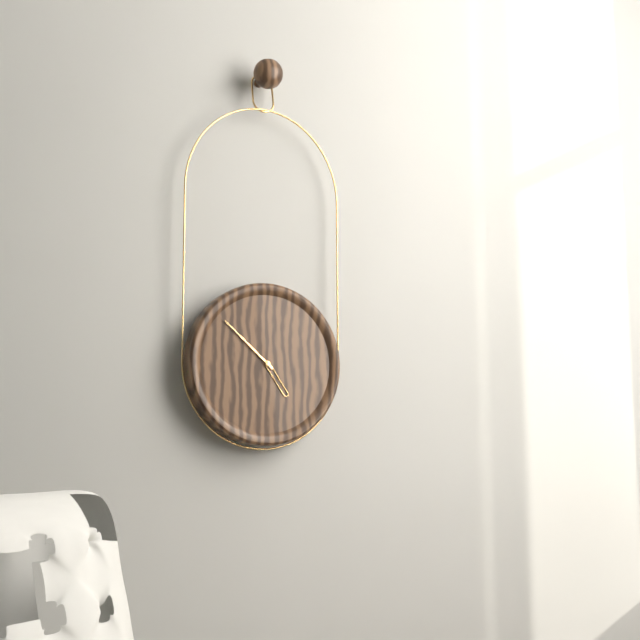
4:52
